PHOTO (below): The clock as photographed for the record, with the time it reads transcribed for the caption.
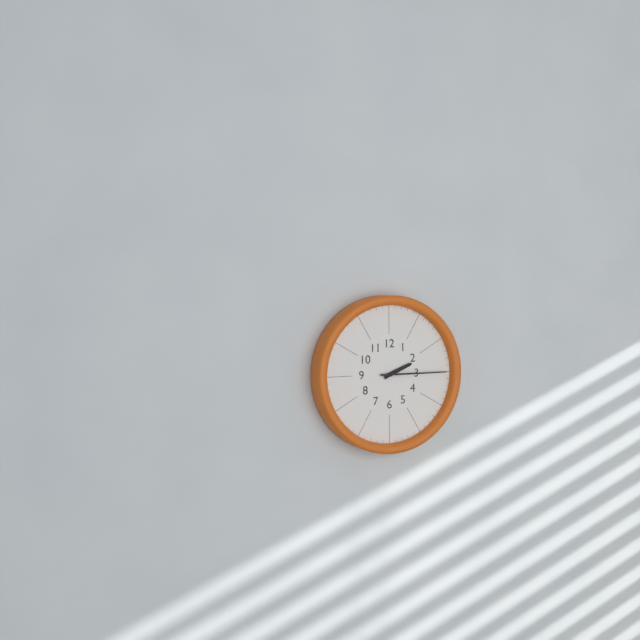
2:15
